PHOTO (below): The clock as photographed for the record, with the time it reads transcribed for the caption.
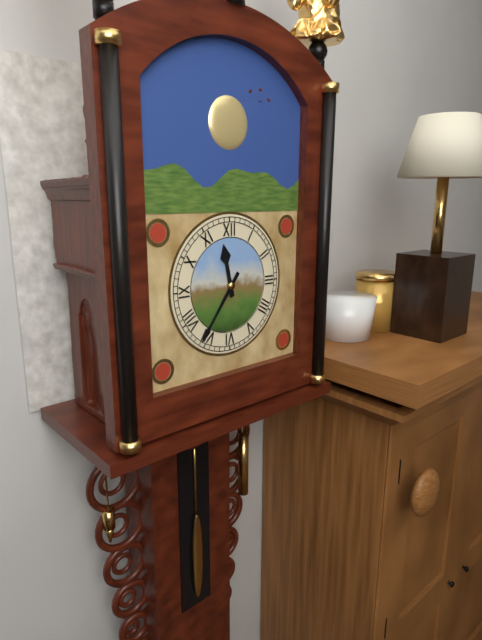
11:36
